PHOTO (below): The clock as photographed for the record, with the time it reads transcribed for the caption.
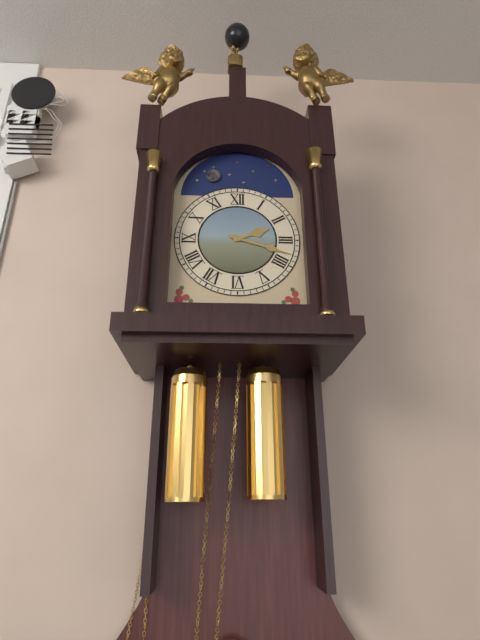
2:18
